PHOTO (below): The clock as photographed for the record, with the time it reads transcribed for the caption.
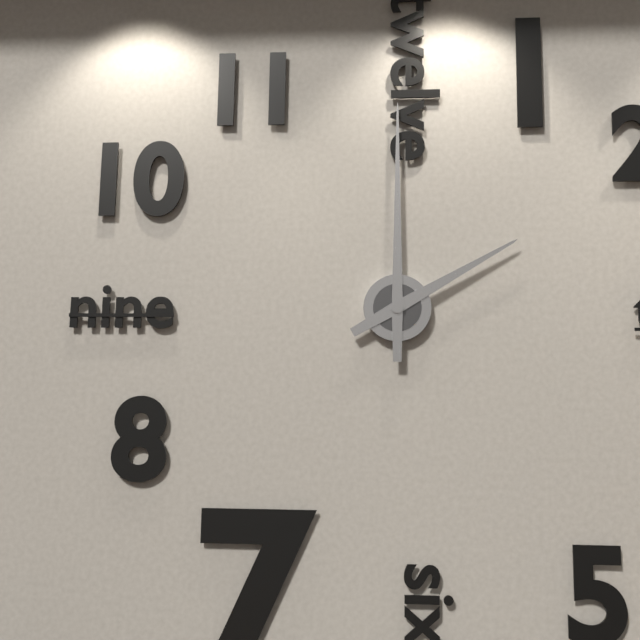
2:00
